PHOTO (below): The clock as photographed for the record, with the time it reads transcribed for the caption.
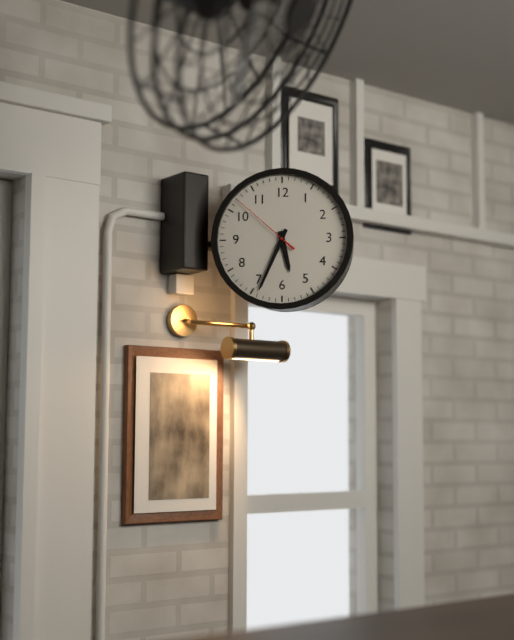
5:34:52
